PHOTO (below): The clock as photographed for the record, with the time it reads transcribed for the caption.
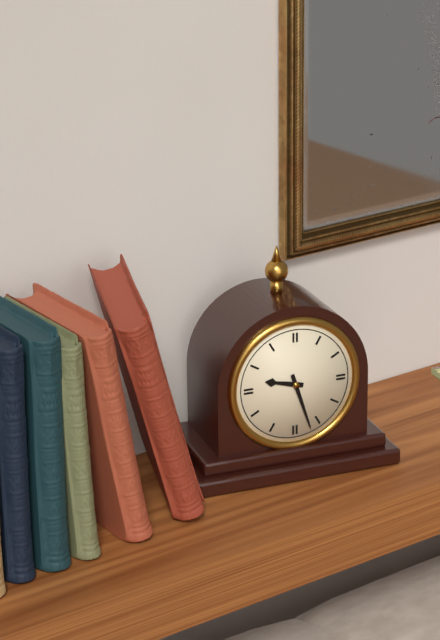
9:27
